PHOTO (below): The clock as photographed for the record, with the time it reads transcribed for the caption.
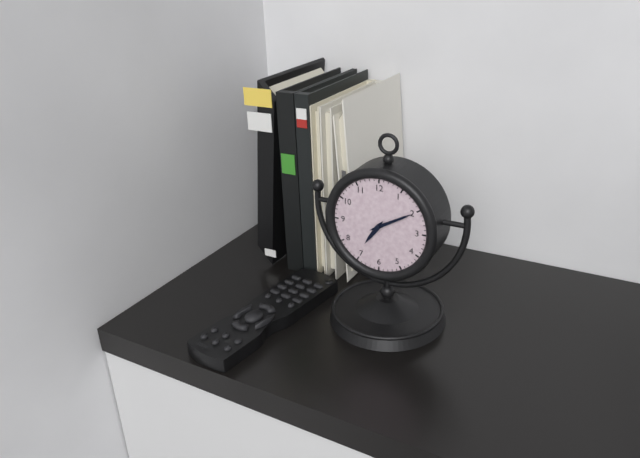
7:10
